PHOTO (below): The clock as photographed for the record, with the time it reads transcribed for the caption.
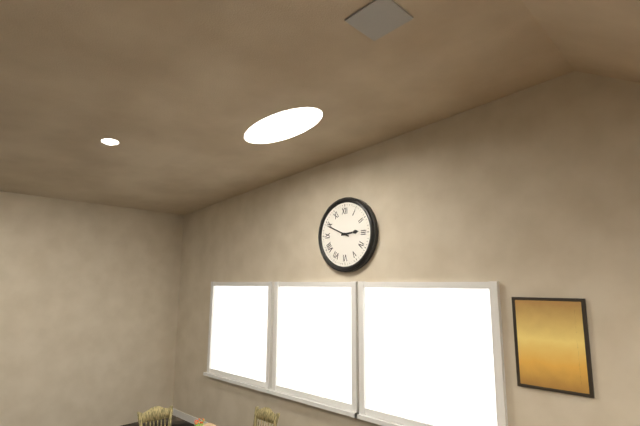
2:49
